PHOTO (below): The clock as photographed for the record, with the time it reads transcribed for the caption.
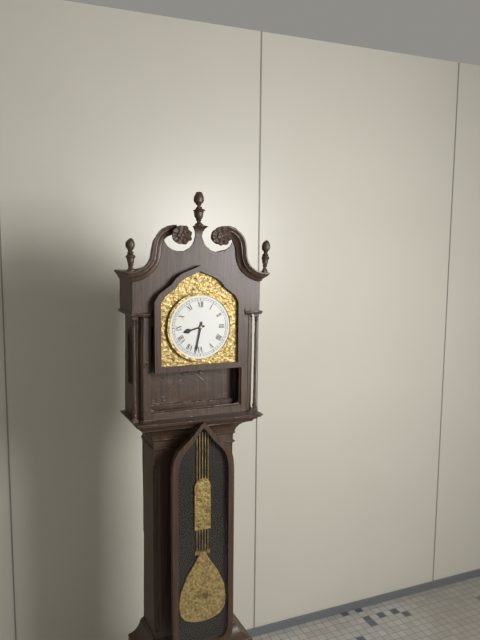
8:32
